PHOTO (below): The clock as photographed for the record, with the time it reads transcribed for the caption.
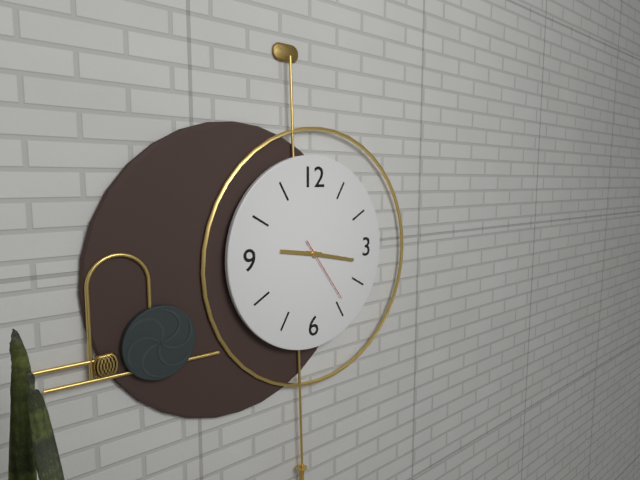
9:17:24
